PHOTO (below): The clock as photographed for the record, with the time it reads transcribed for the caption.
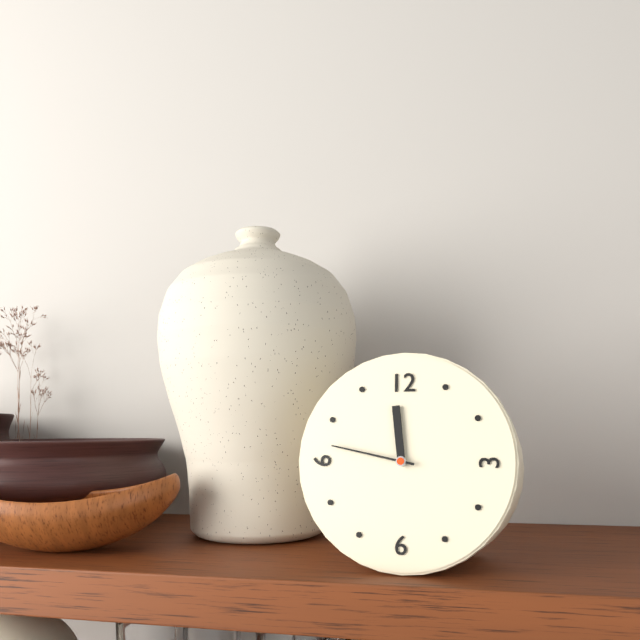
11:47
